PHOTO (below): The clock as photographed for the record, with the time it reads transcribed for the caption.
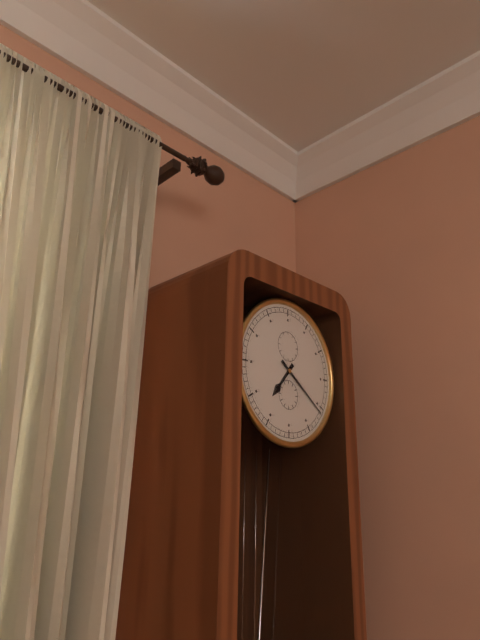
7:21
